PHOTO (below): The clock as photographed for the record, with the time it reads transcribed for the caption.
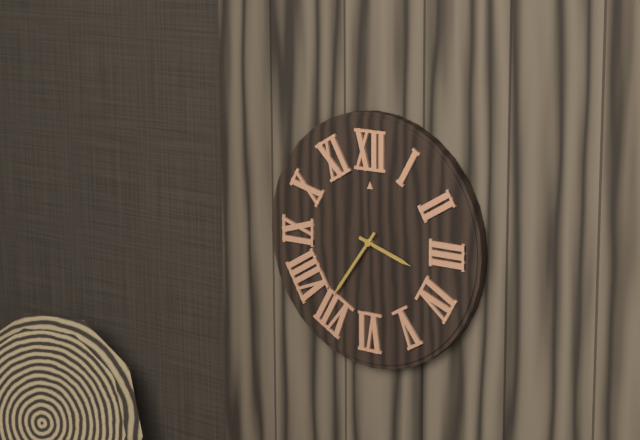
3:36
